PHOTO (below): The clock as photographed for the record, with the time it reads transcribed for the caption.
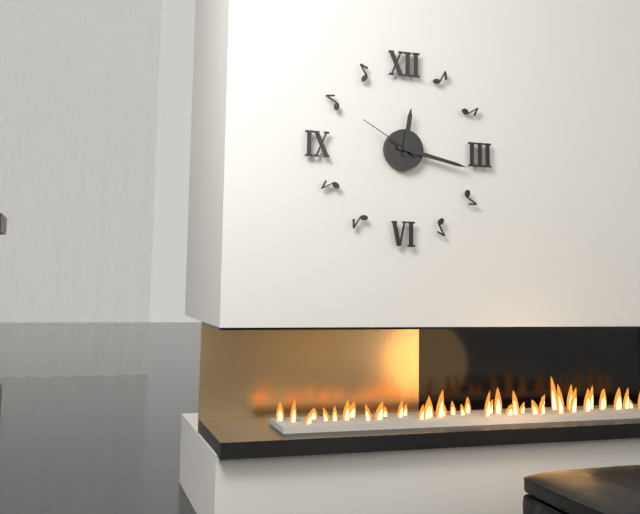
12:17:50
